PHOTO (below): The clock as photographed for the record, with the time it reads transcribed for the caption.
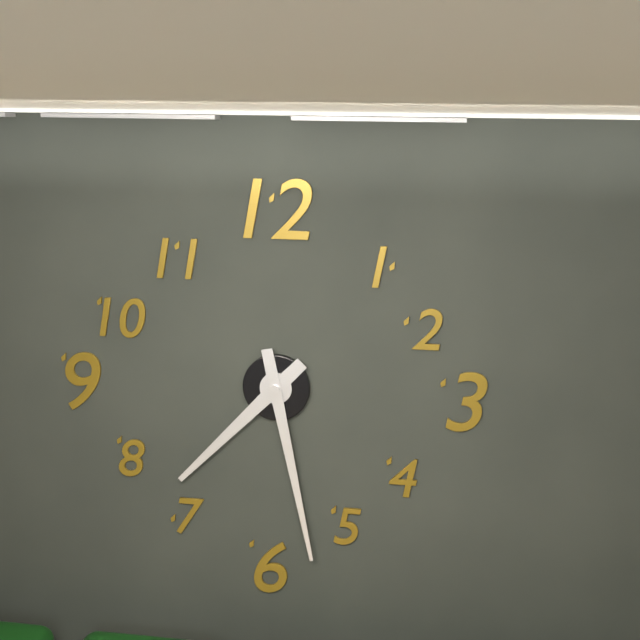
7:28
